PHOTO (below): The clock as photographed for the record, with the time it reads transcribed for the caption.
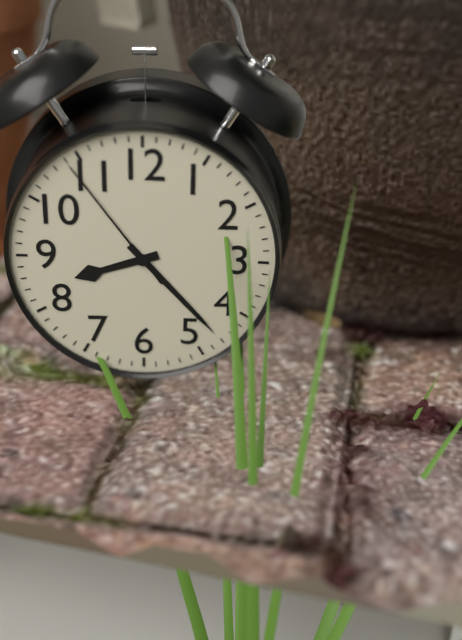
8:23:54
